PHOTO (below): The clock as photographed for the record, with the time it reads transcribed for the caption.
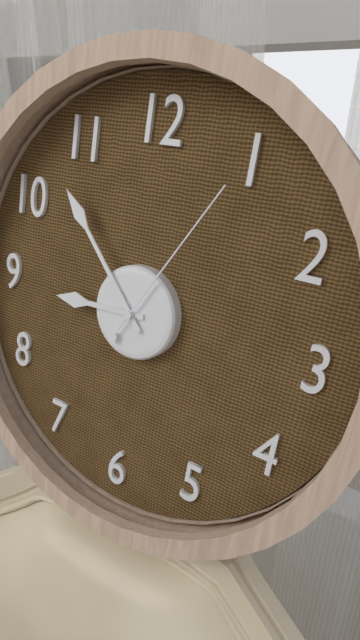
8:53:05
